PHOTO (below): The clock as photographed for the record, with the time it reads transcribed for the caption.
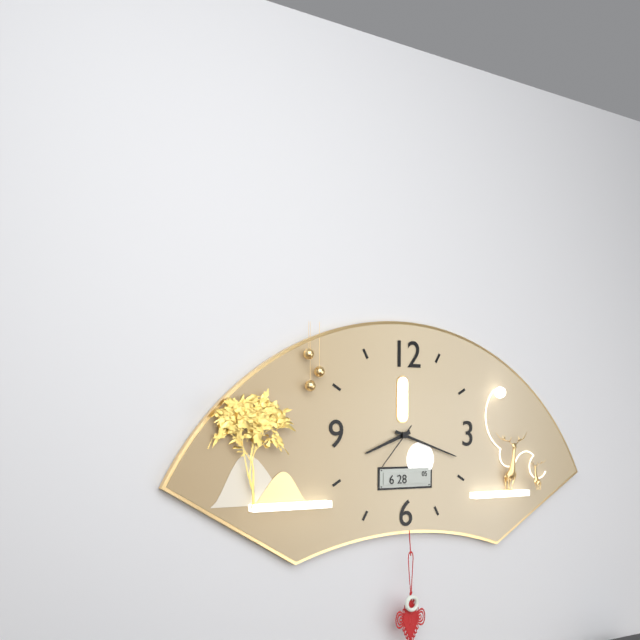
8:18
